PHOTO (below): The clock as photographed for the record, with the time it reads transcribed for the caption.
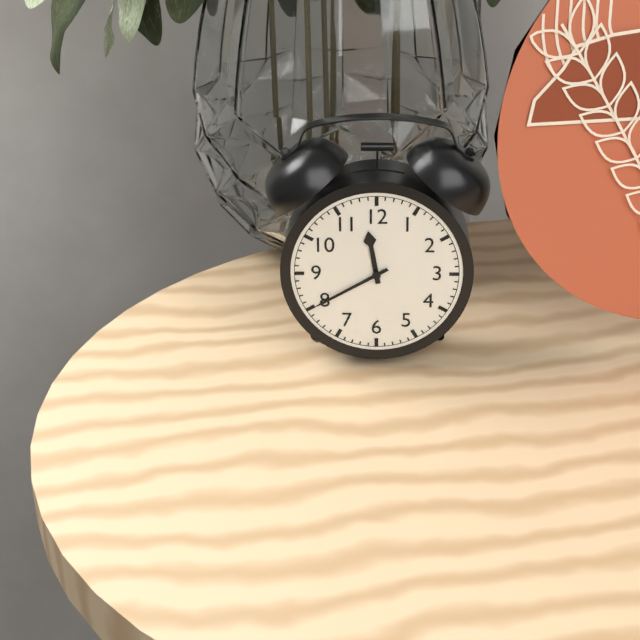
11:40
